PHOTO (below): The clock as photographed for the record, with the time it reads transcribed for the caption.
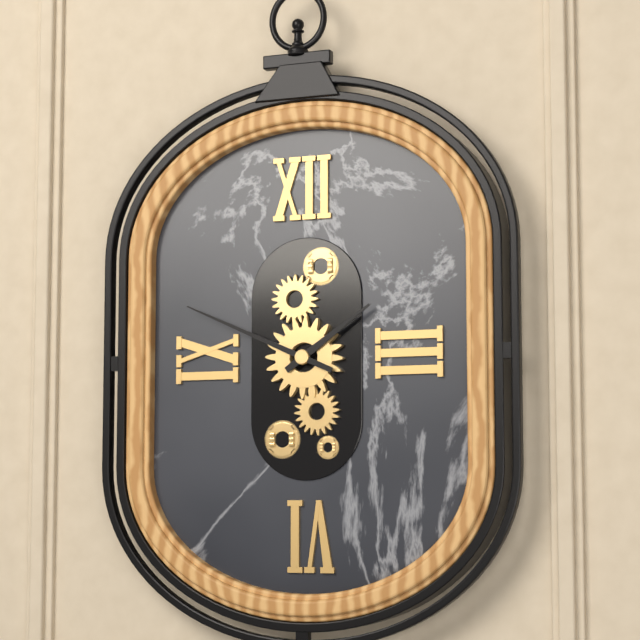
1:49
